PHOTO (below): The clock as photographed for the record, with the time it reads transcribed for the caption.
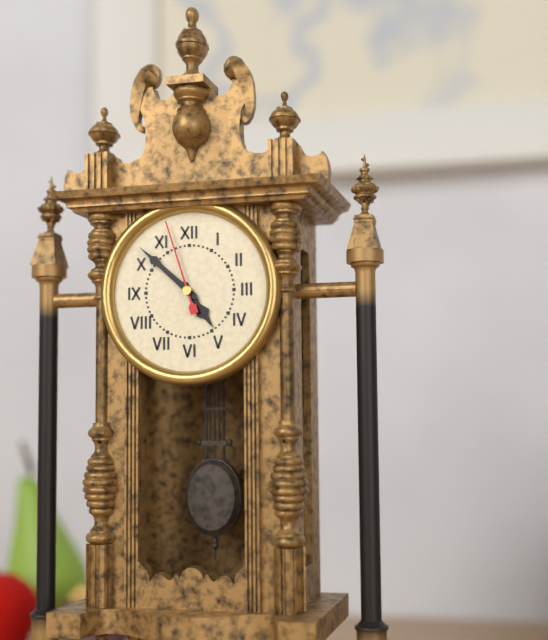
4:52:57
